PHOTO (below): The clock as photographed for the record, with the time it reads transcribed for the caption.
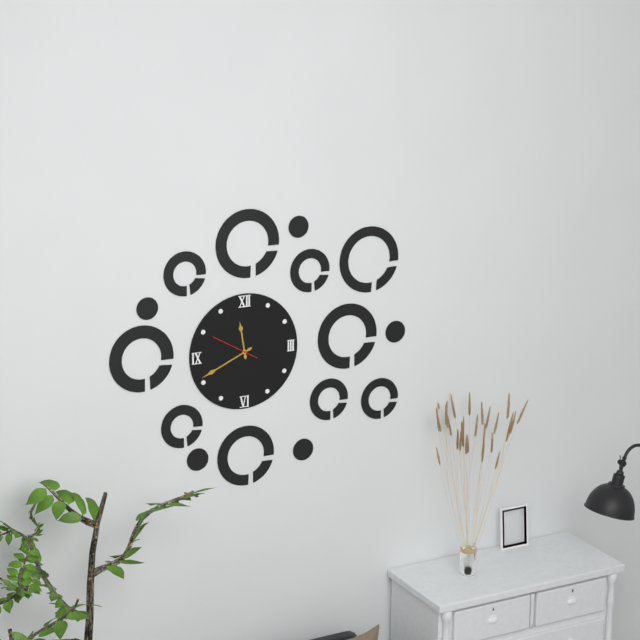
11:41
